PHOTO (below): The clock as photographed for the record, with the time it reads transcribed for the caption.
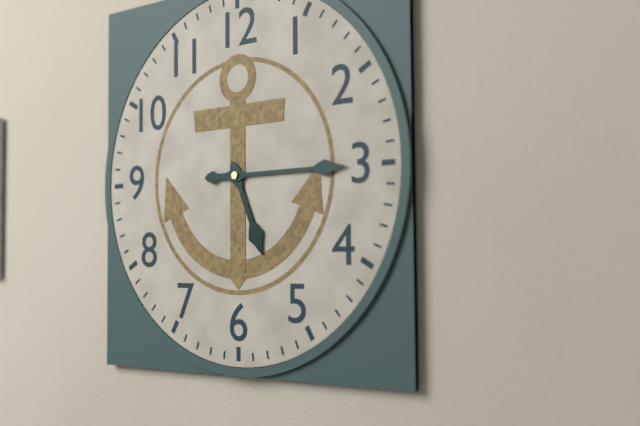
5:15
